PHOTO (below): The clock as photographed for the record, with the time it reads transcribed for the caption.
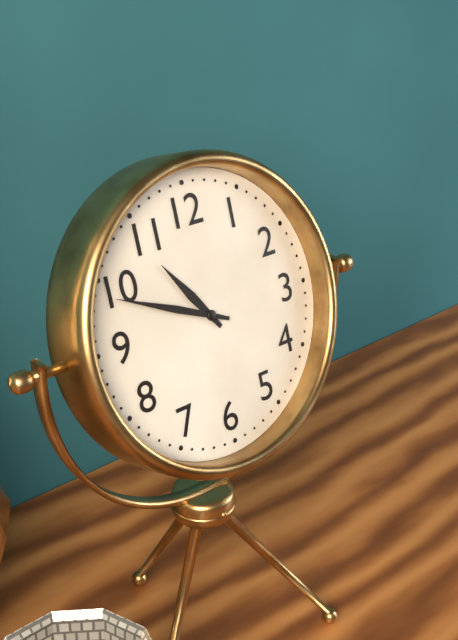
10:49
